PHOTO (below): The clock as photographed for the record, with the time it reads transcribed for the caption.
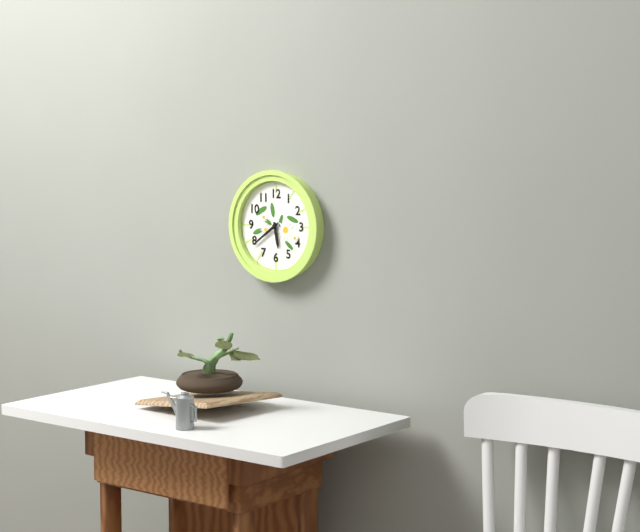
5:39
